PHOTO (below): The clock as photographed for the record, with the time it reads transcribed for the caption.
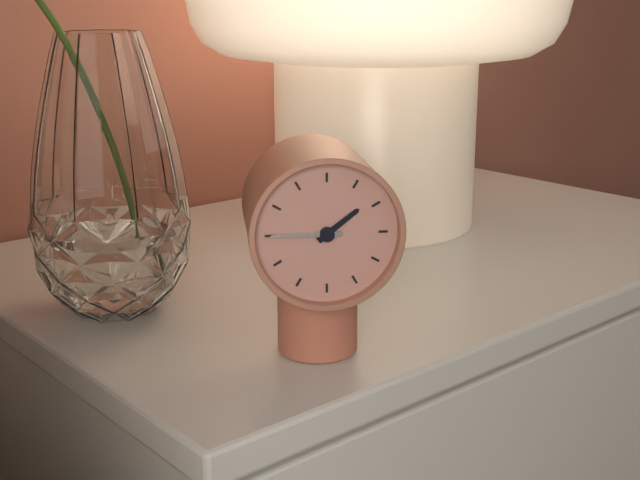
1:45
